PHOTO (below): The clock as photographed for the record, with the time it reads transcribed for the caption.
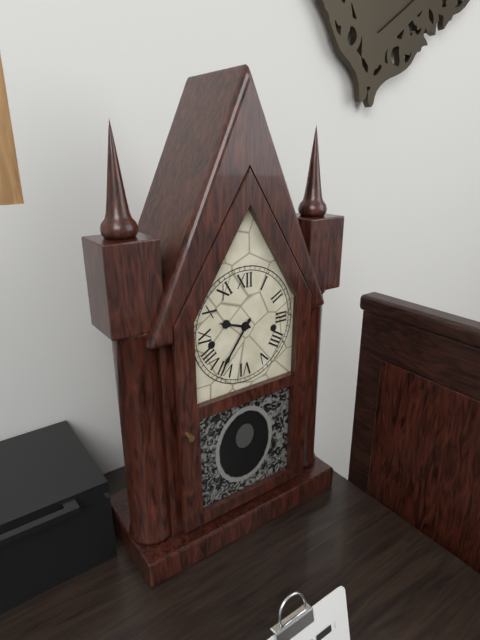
9:36
